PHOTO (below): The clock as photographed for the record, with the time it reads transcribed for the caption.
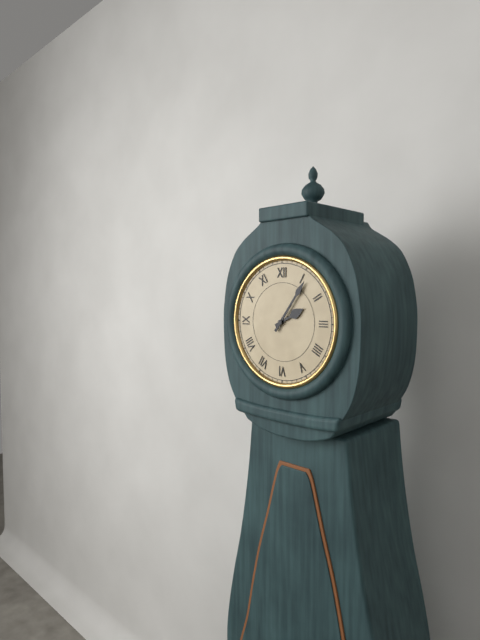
2:06
